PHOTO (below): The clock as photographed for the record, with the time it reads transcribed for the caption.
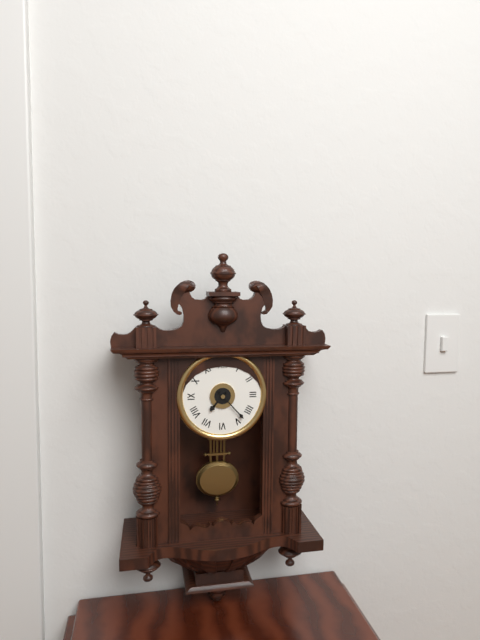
7:23
